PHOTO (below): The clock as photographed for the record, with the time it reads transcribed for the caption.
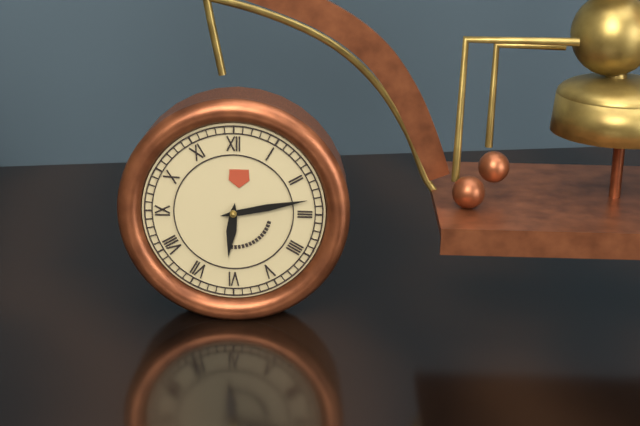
6:13
